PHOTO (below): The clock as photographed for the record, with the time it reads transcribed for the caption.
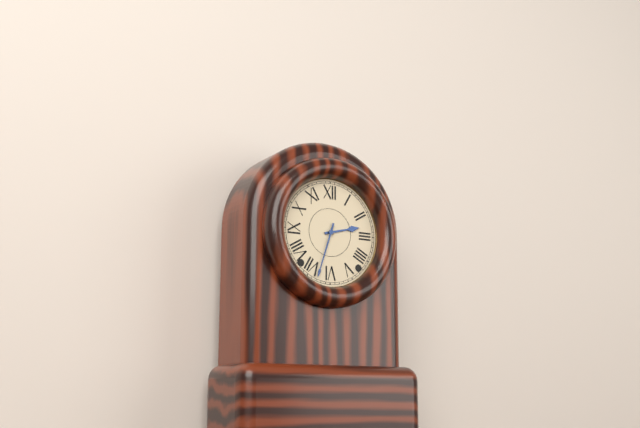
2:33
